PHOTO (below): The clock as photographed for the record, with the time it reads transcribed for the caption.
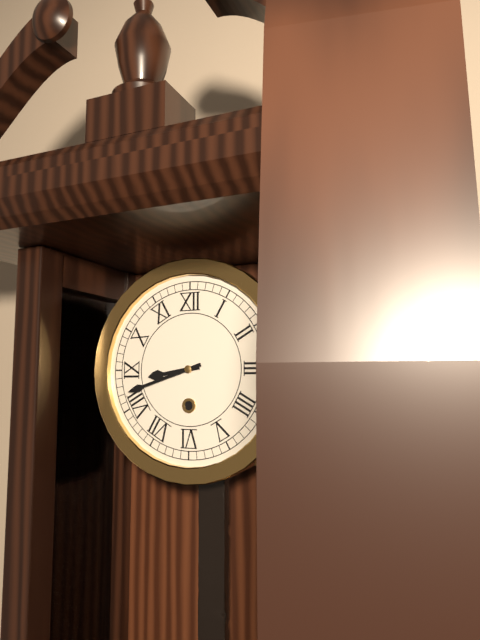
8:42
